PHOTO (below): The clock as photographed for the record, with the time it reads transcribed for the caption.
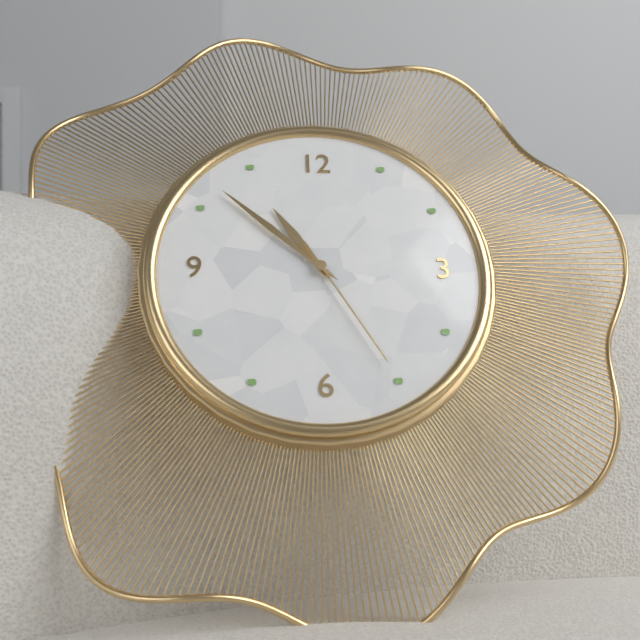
10:52:25
